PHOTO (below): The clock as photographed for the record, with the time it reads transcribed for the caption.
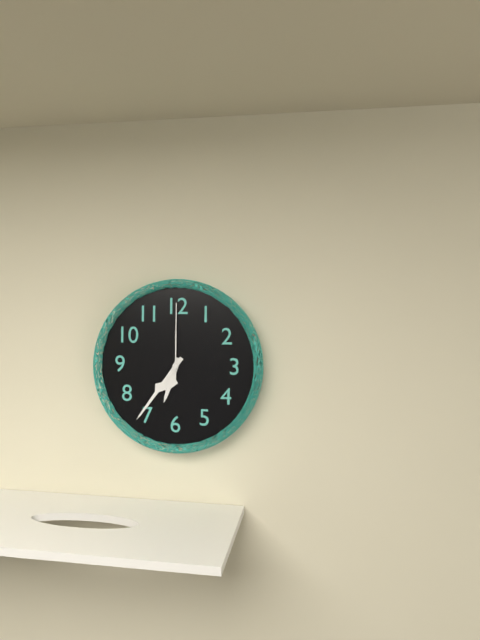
6:36:00
